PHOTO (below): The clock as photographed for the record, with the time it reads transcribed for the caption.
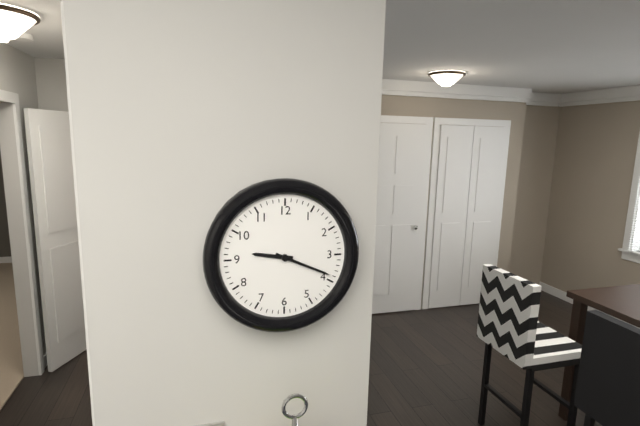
9:19
